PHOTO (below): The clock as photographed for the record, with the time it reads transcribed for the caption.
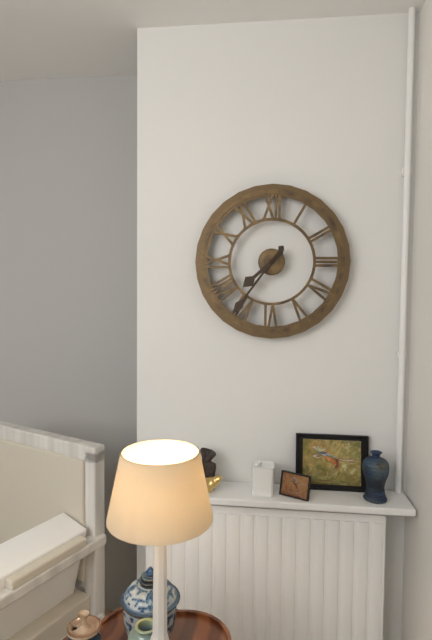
7:36
